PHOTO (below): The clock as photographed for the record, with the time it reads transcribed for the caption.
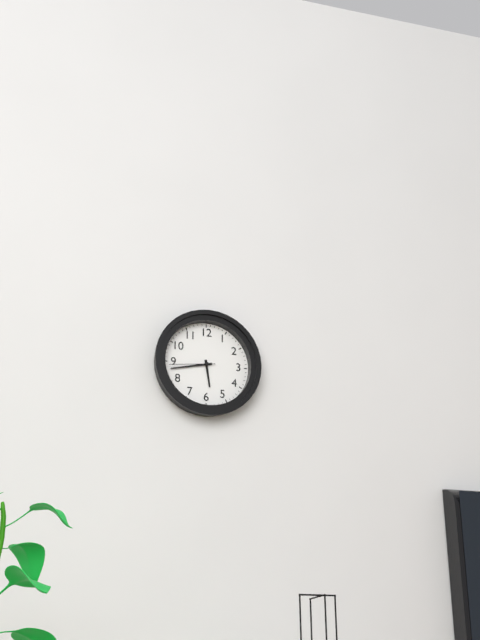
5:43
